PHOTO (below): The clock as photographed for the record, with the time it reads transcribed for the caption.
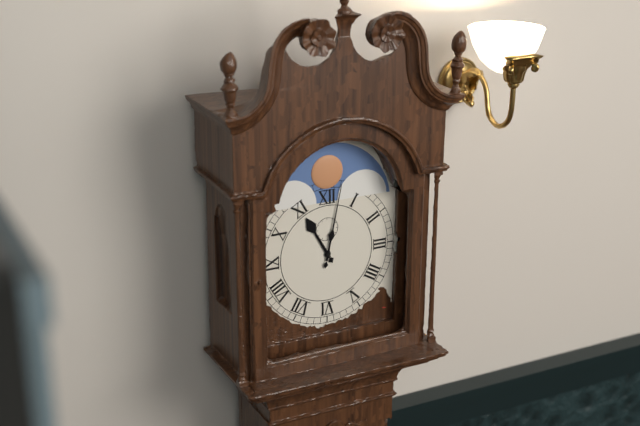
11:02
